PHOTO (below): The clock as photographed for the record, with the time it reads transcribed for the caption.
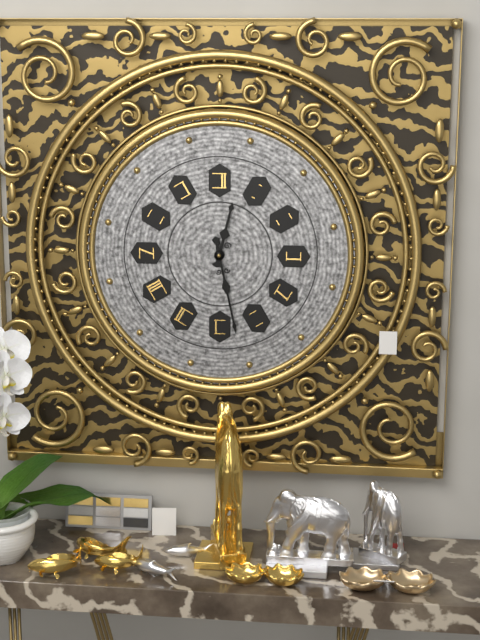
12:28
